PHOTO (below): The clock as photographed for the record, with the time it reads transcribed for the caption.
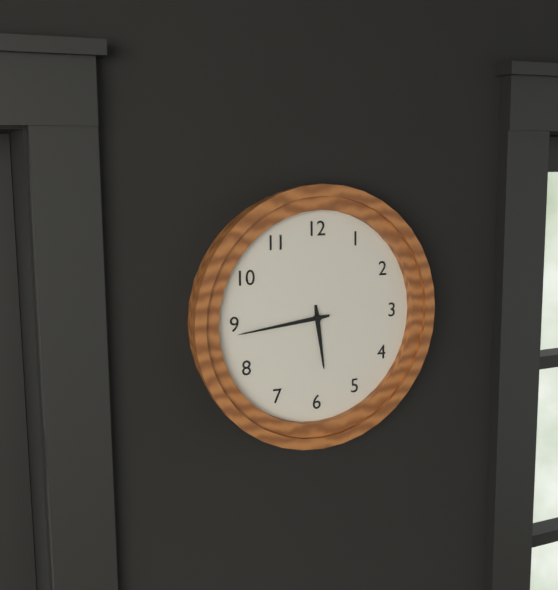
5:44
